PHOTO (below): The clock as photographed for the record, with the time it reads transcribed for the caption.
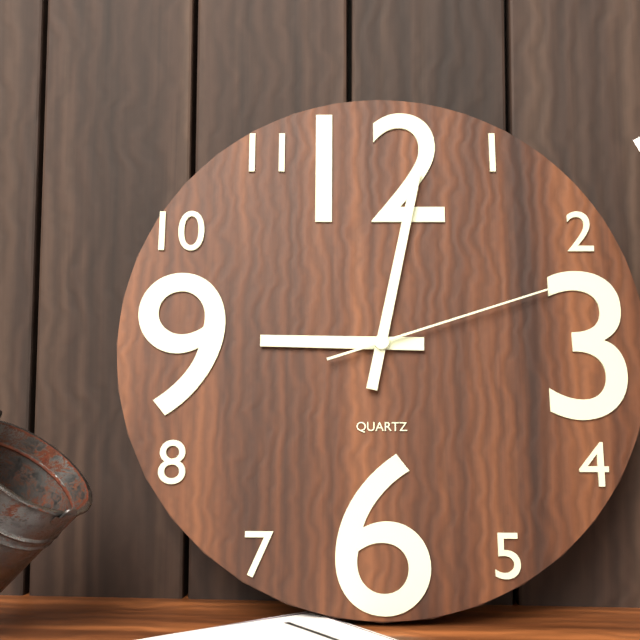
9:02:12
